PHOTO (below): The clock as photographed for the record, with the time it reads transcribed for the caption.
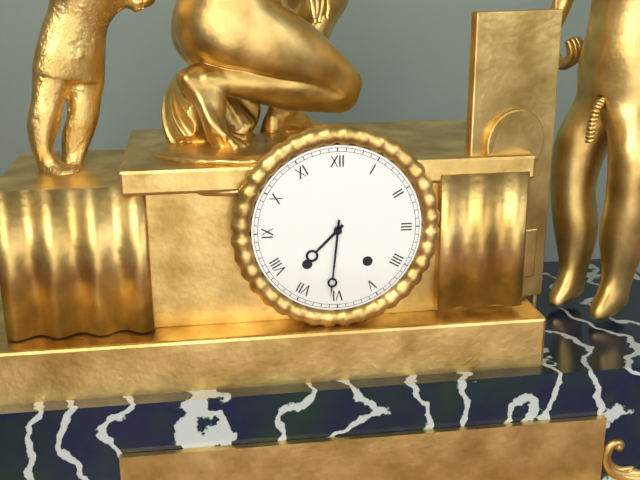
7:31
